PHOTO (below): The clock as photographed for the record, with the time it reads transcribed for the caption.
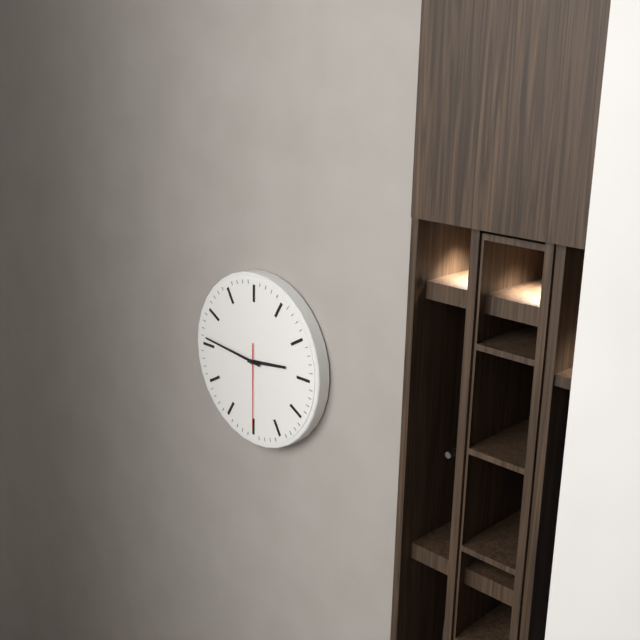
2:46:30
